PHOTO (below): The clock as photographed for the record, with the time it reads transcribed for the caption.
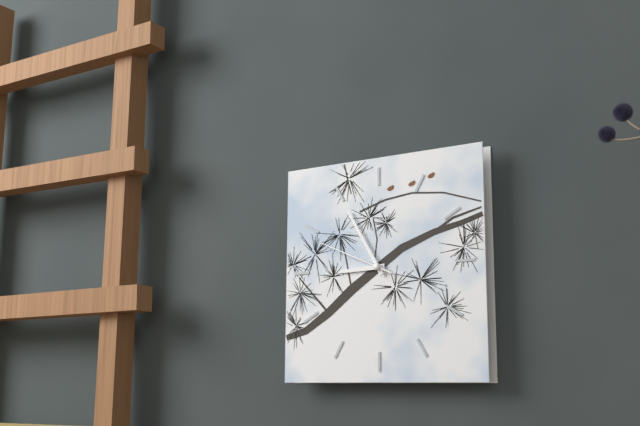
8:55:49
